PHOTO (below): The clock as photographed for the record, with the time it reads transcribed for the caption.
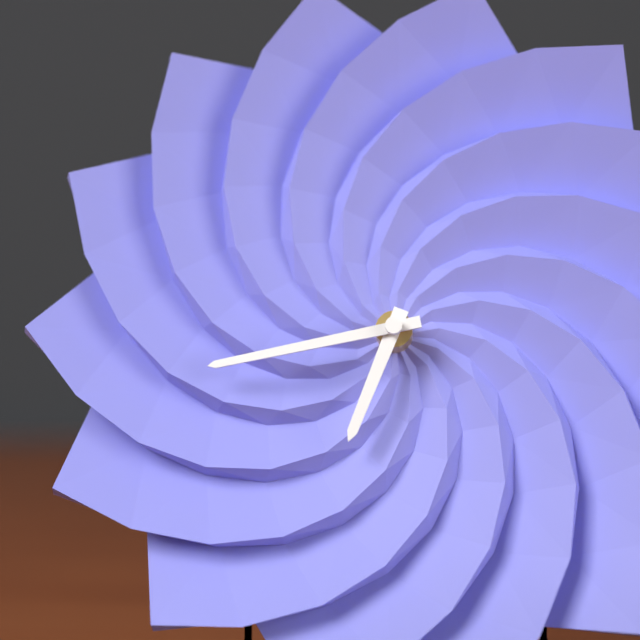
6:43
